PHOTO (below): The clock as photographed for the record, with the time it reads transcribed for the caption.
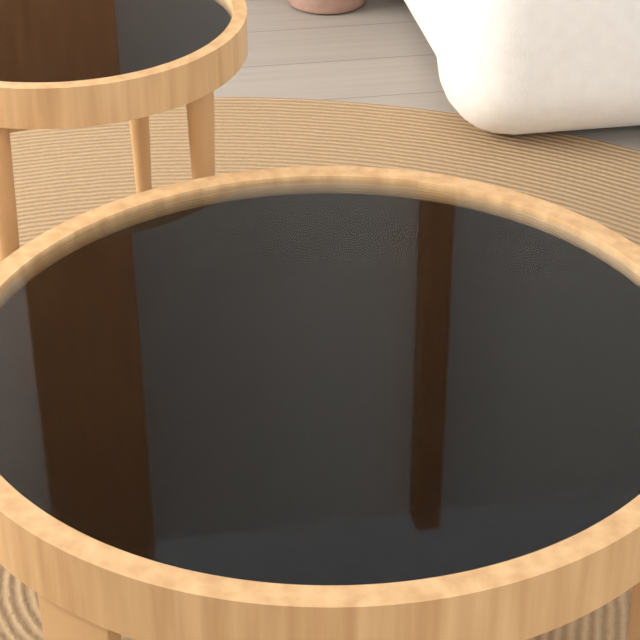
4:49
